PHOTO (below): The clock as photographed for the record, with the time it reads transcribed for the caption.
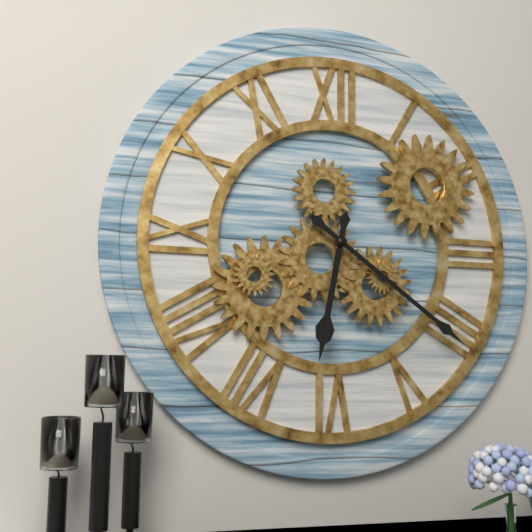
6:21
